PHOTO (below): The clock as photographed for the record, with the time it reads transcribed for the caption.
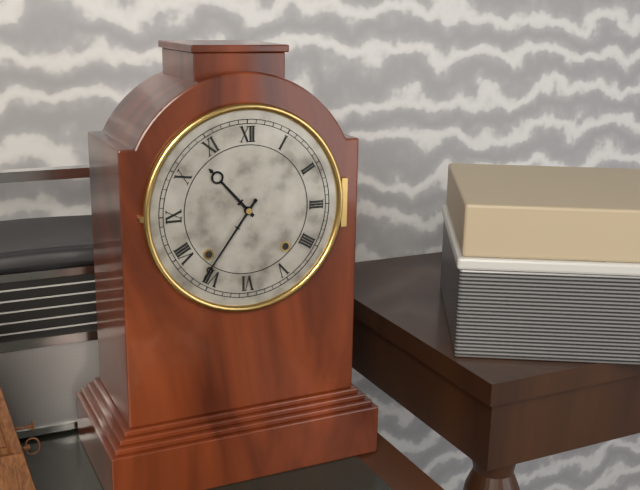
10:36
